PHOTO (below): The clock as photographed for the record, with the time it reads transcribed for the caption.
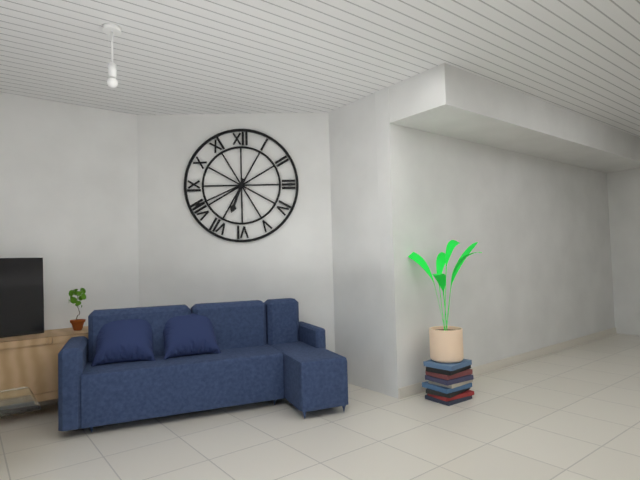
6:41
